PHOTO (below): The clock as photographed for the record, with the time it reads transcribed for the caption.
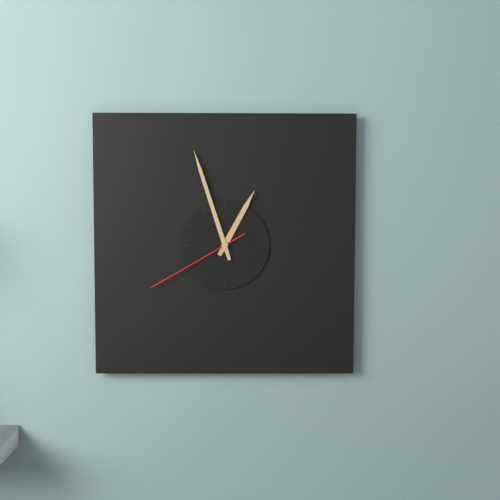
12:57:40
